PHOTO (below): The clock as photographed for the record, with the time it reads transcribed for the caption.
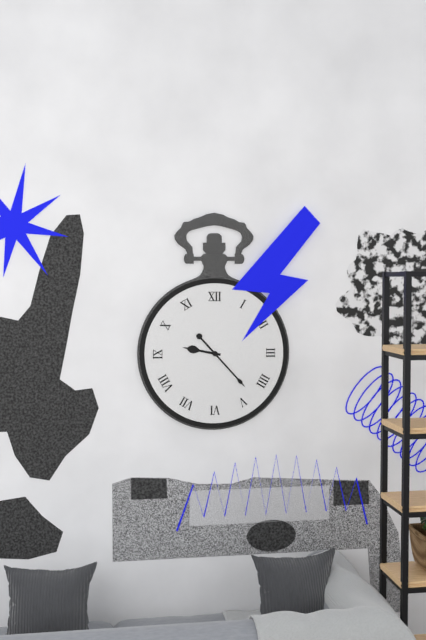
9:23
